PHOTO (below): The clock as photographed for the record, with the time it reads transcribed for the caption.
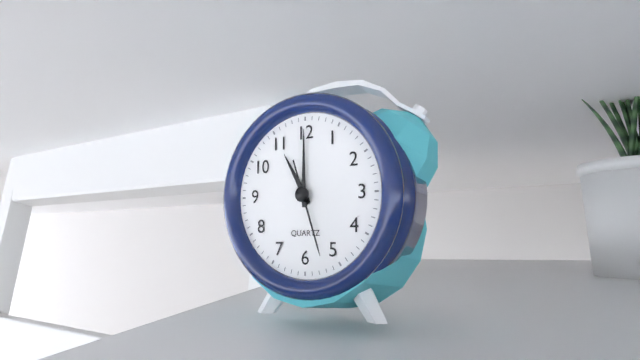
11:00:27
